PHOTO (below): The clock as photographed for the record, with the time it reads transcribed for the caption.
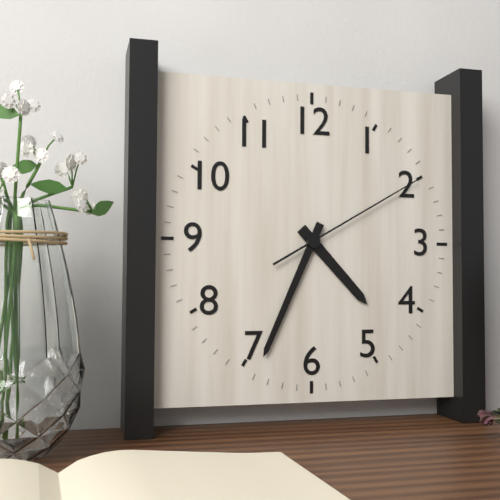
4:34:10
